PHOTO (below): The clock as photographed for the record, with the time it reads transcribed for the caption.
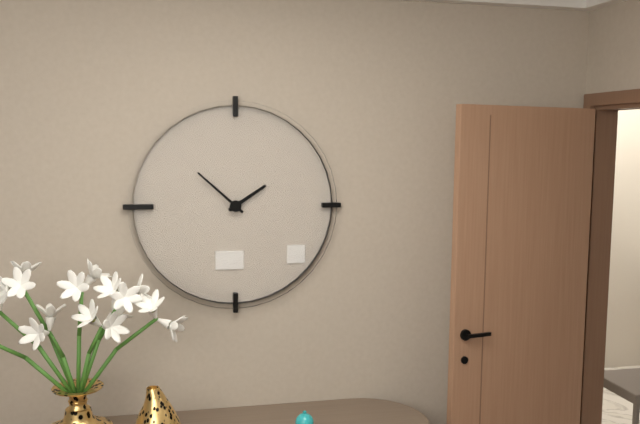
1:52
